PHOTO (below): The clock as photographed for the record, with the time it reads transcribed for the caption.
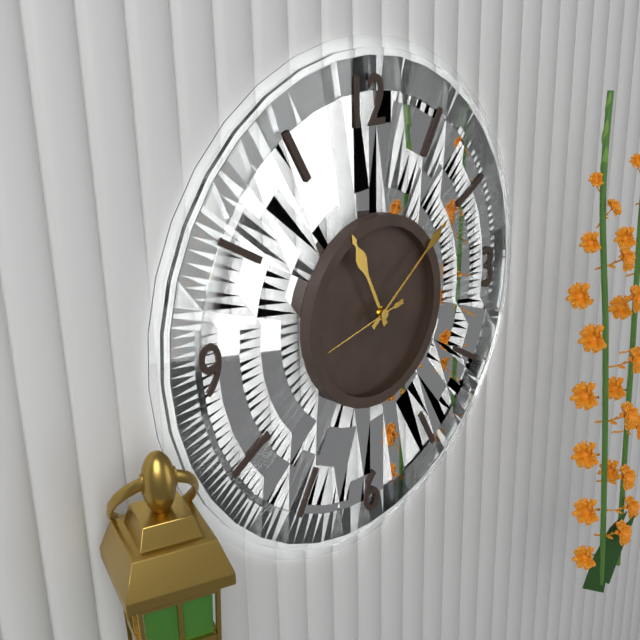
11:09:43
